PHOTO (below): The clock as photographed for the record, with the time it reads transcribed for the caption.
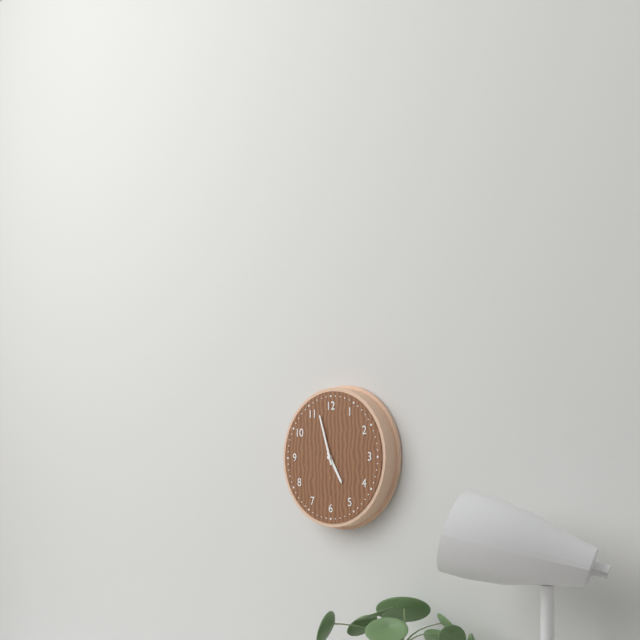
4:57
